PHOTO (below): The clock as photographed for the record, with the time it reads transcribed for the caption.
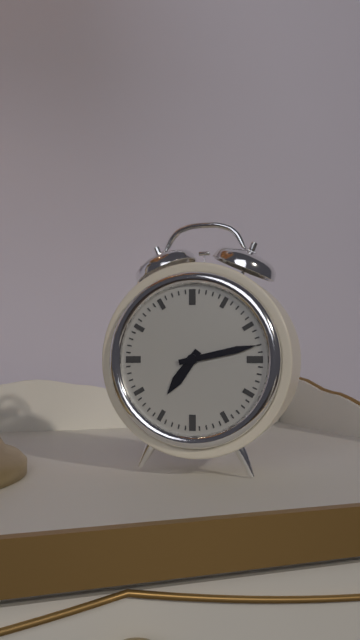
7:13
